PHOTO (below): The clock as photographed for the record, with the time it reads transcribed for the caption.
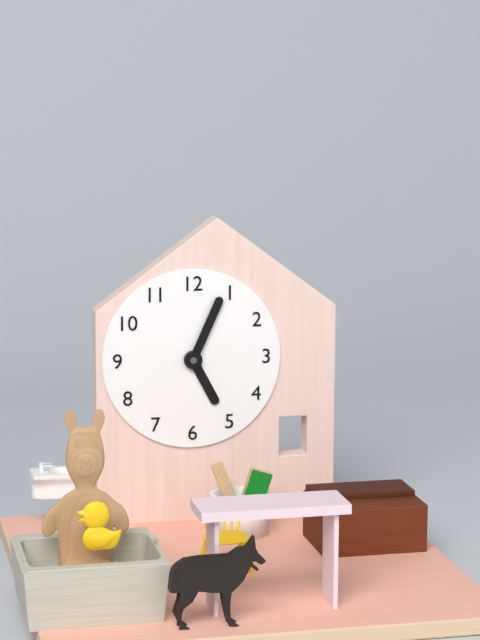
5:04
